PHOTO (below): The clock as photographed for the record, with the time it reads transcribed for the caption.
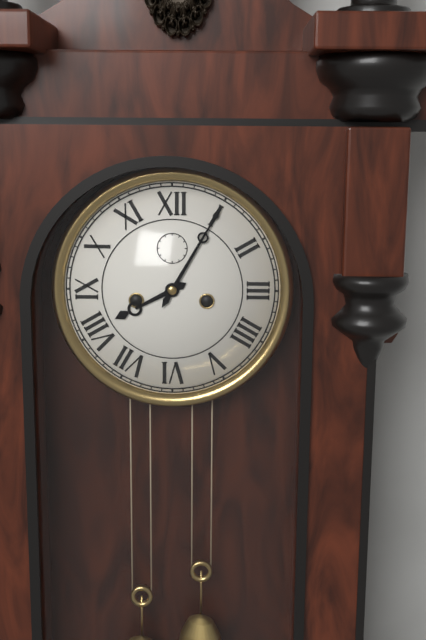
8:05
